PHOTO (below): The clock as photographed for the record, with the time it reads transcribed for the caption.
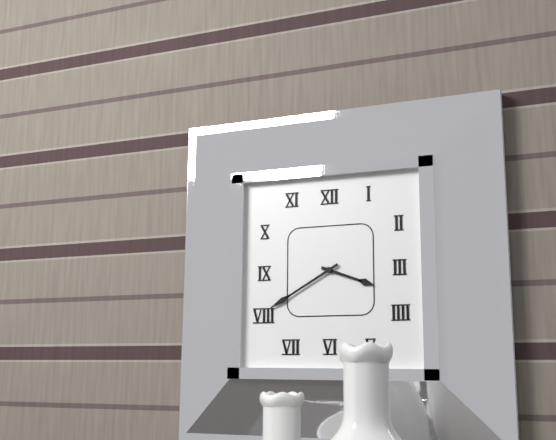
3:40
